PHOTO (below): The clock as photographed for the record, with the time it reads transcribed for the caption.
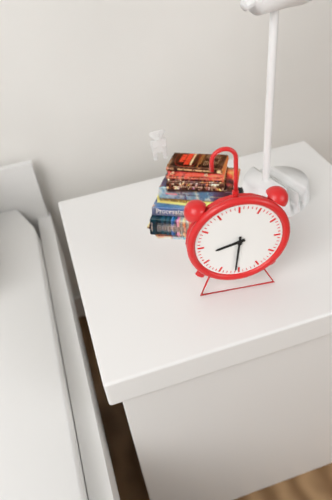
8:31
